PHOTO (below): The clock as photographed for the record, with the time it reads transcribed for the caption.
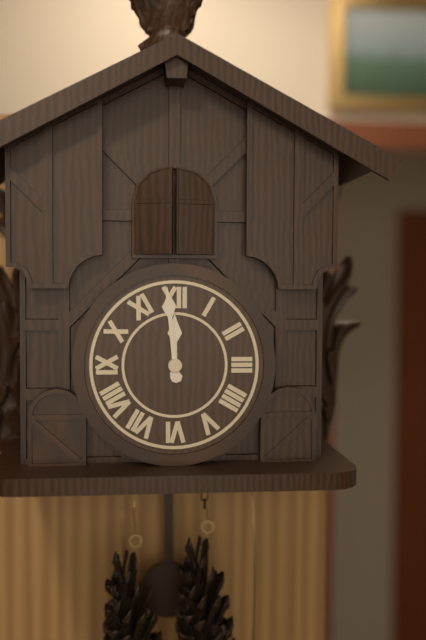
11:59
